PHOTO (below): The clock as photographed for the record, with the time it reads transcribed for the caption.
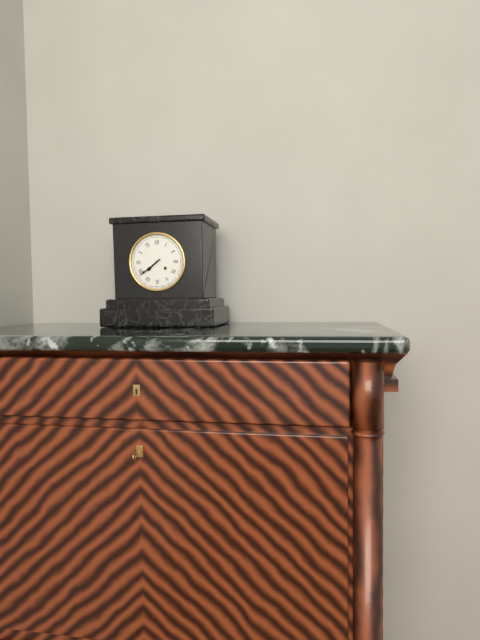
7:39
